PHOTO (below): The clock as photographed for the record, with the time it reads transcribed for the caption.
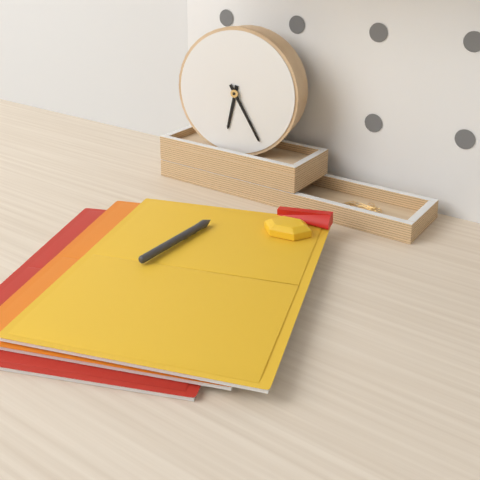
6:25
